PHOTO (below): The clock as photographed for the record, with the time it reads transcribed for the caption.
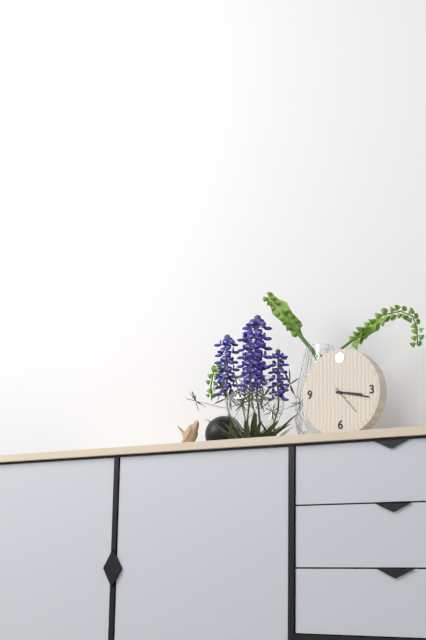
3:17
